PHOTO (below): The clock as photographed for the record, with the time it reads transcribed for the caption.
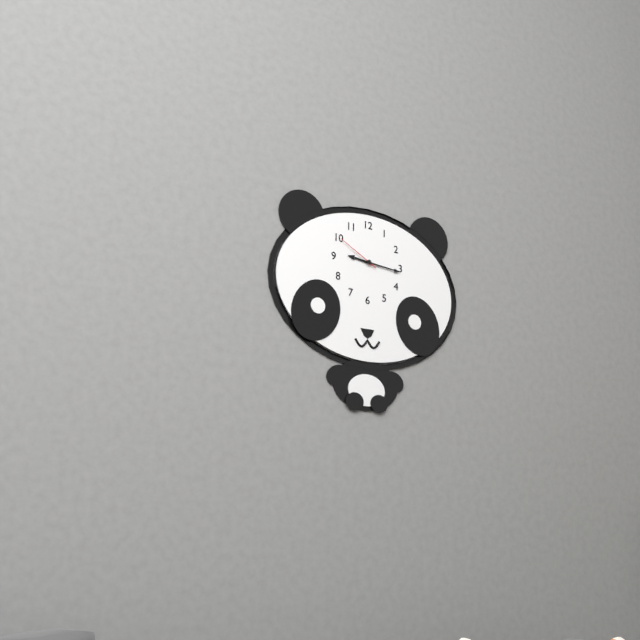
9:16
